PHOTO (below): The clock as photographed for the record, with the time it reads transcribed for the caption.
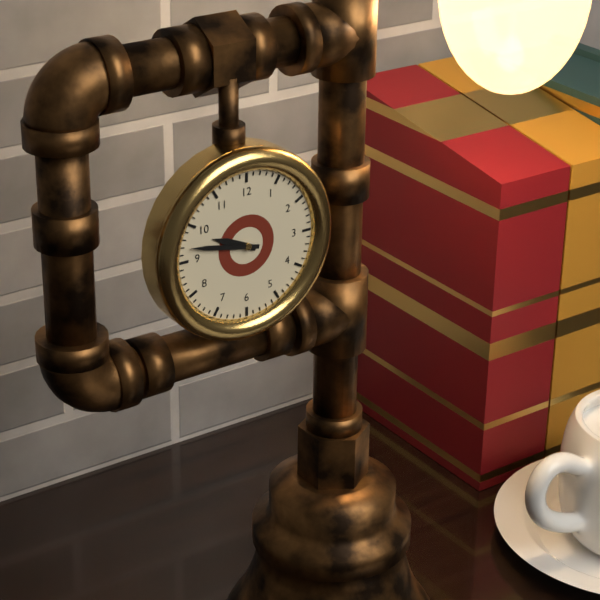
9:47
